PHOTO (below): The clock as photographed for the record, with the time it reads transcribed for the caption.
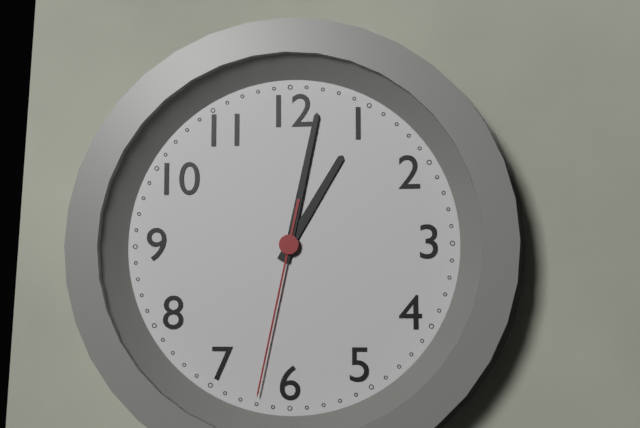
1:02:32
